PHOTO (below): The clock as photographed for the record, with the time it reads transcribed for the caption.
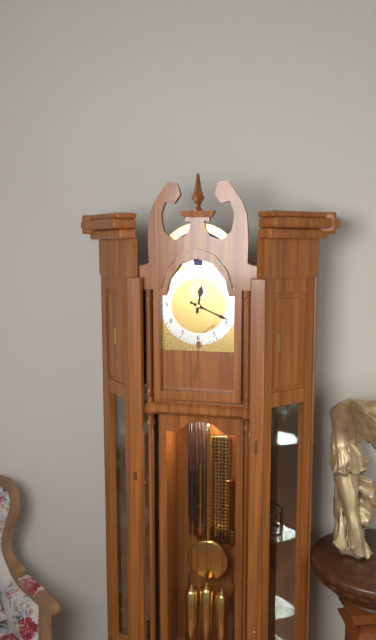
12:19
